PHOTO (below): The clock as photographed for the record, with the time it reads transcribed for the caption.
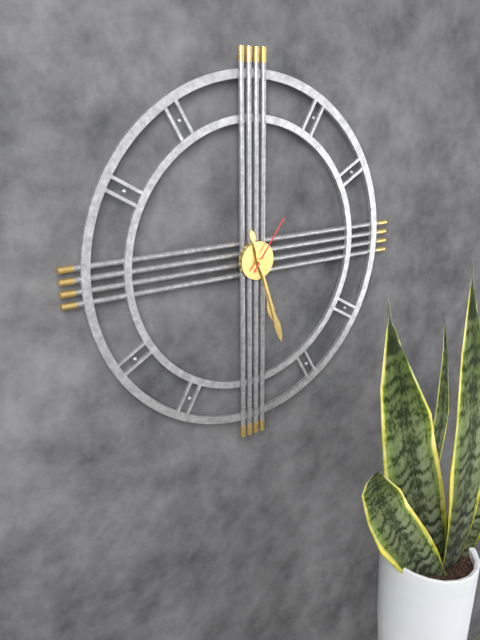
5:27:06
